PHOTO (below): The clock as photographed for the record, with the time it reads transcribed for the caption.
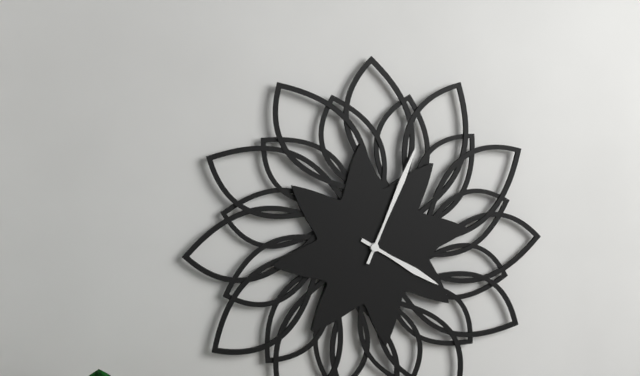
4:04
